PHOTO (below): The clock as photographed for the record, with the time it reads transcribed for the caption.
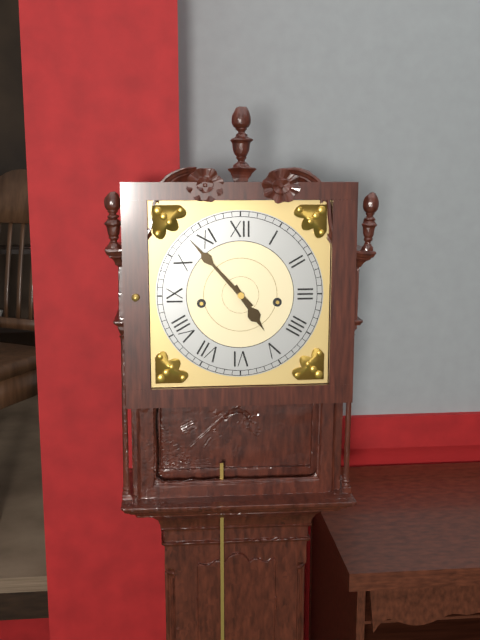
4:53
